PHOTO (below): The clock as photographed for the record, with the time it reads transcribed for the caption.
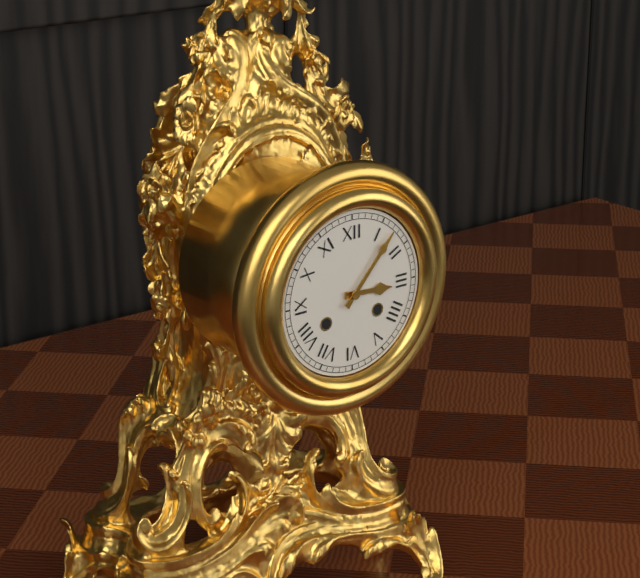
3:07
